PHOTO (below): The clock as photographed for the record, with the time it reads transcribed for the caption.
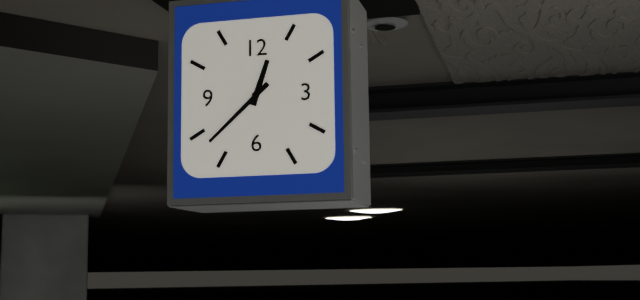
12:38
